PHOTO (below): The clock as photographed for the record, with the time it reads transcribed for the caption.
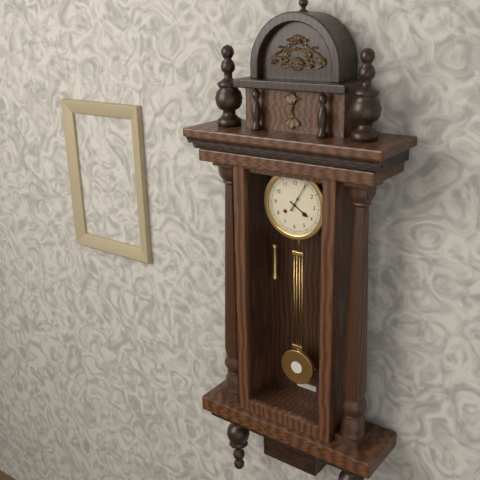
4:05
